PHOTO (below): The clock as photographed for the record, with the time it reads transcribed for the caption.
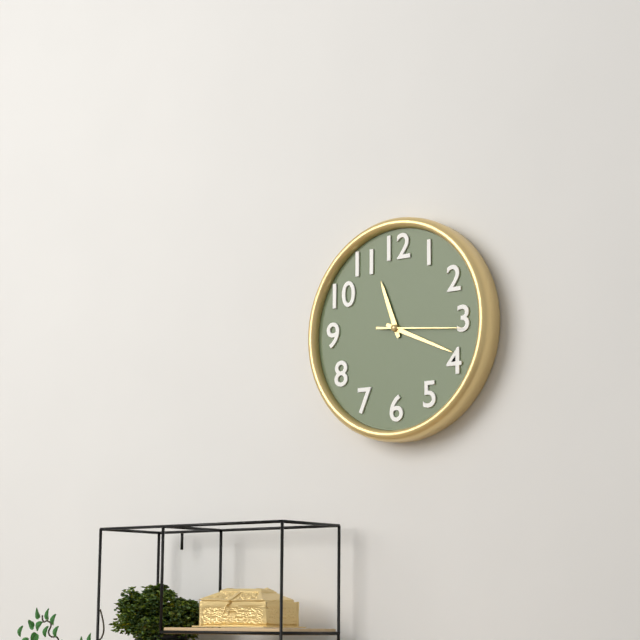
11:19:16
